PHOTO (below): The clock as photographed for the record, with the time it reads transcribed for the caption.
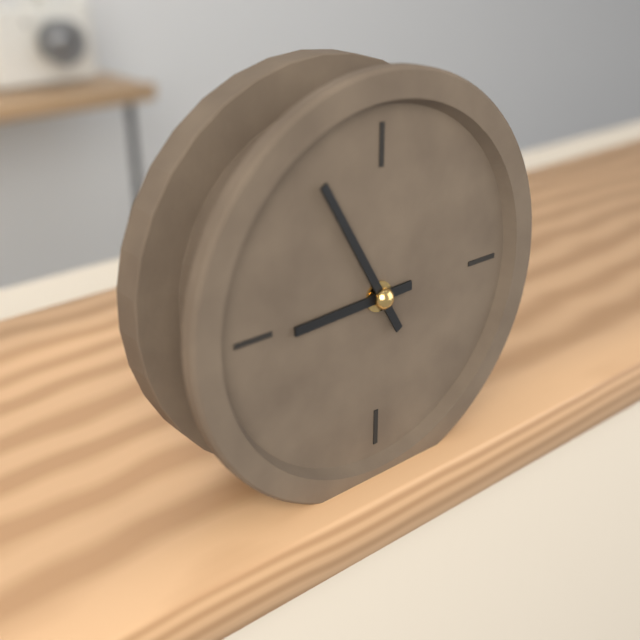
8:55
